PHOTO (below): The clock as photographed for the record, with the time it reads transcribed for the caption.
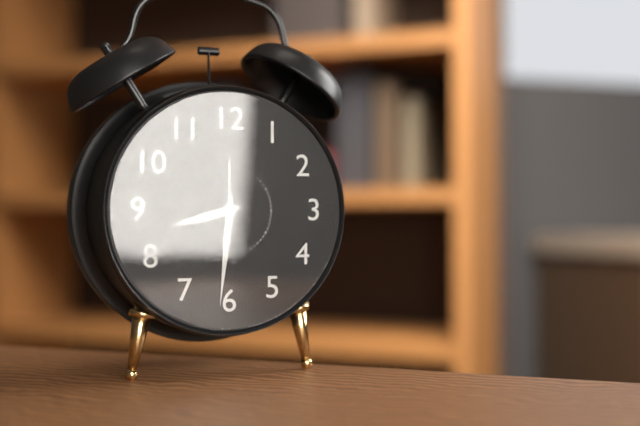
8:31
